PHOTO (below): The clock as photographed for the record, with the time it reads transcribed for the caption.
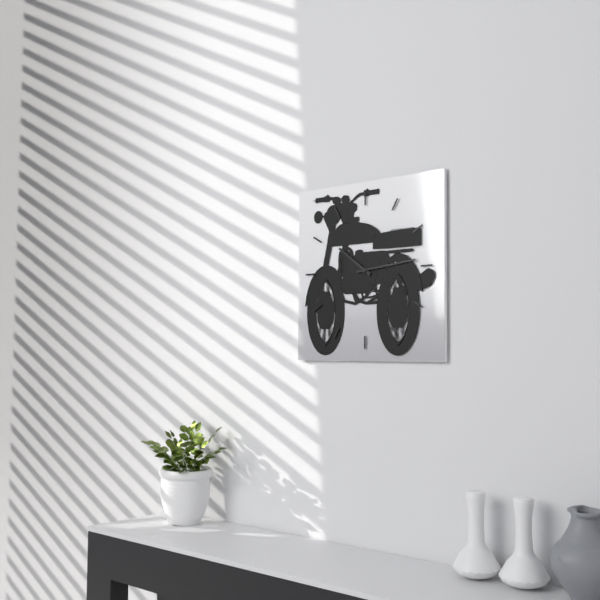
10:14
